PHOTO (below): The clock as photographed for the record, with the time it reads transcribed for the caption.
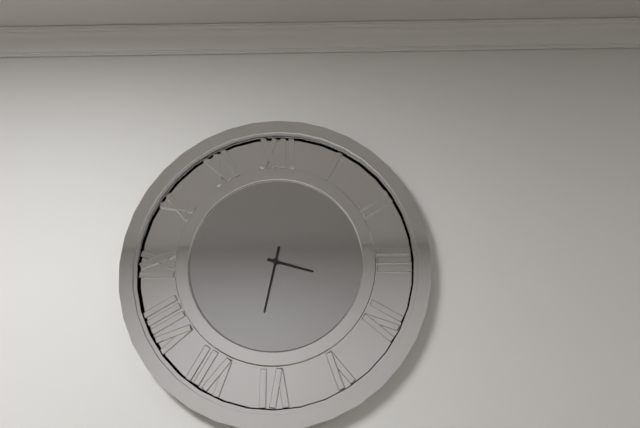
3:32
